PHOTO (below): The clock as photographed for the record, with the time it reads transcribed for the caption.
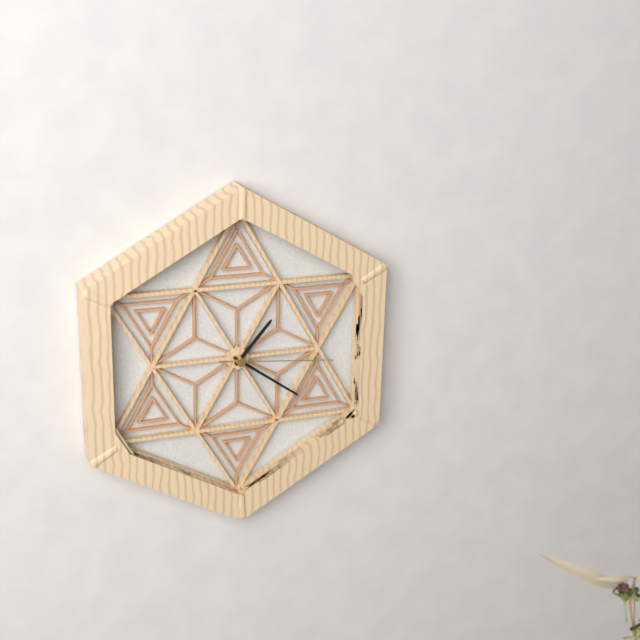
1:21:16
